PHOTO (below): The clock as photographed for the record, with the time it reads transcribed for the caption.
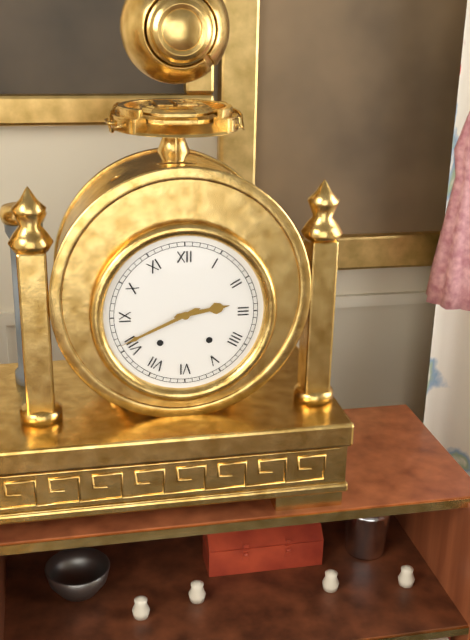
2:41
